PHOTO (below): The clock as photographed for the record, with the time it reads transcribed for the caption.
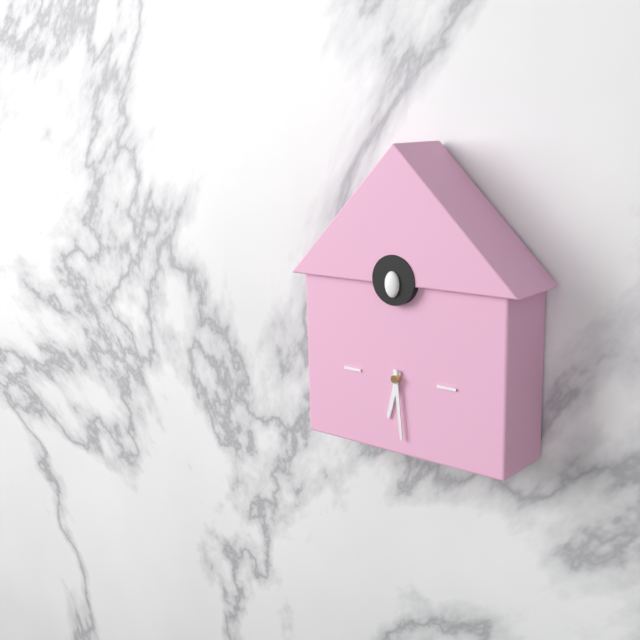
6:29
